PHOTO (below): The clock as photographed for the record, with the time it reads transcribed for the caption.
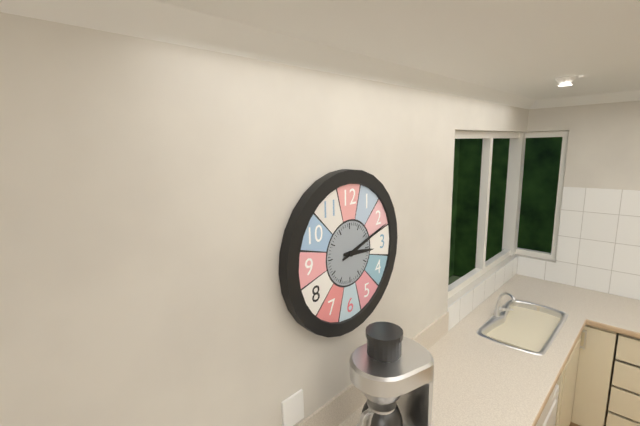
3:12
